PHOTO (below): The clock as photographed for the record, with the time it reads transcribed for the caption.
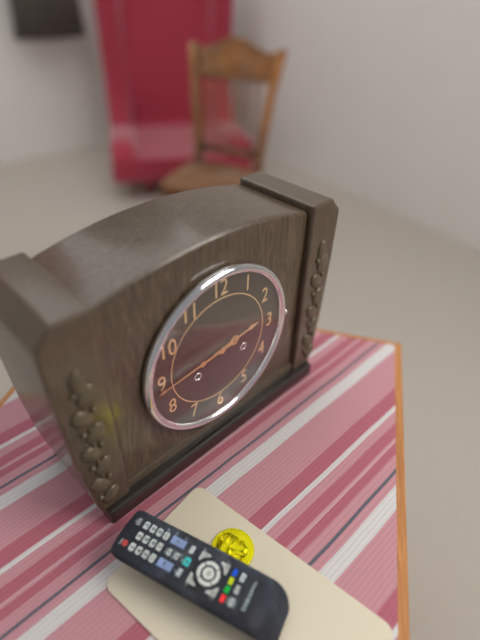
2:44
